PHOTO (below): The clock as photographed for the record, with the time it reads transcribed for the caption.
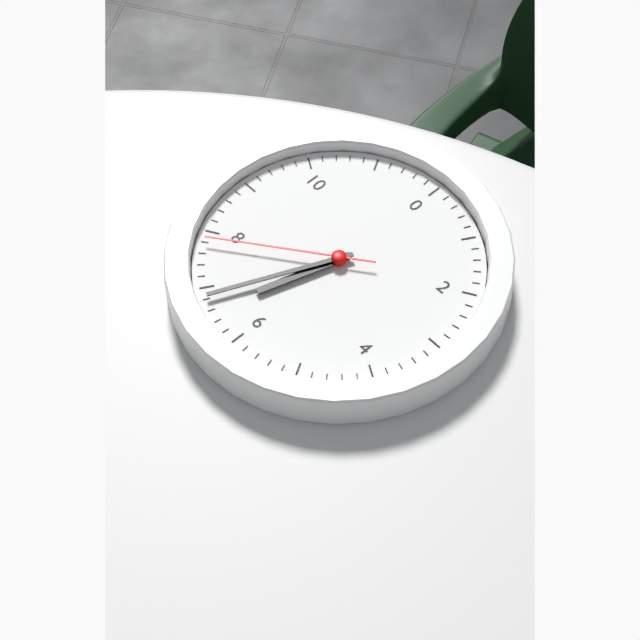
6:34:39
